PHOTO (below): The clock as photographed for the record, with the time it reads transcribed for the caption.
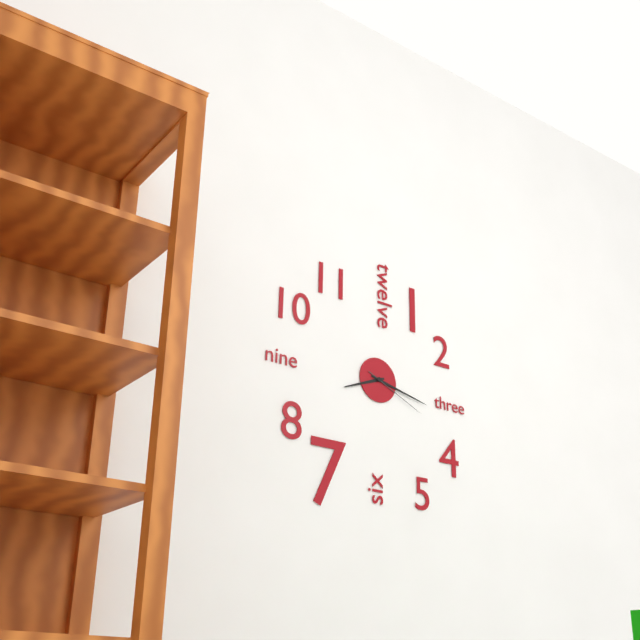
8:17:19
